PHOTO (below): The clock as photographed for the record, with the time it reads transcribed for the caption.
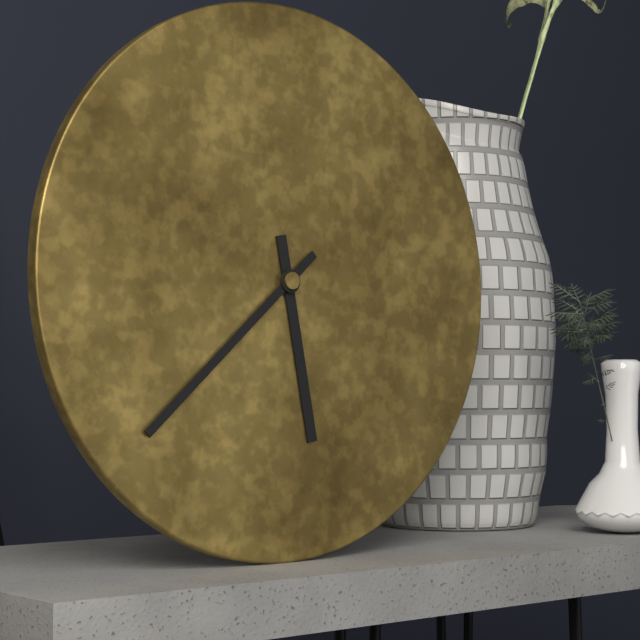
5:38
